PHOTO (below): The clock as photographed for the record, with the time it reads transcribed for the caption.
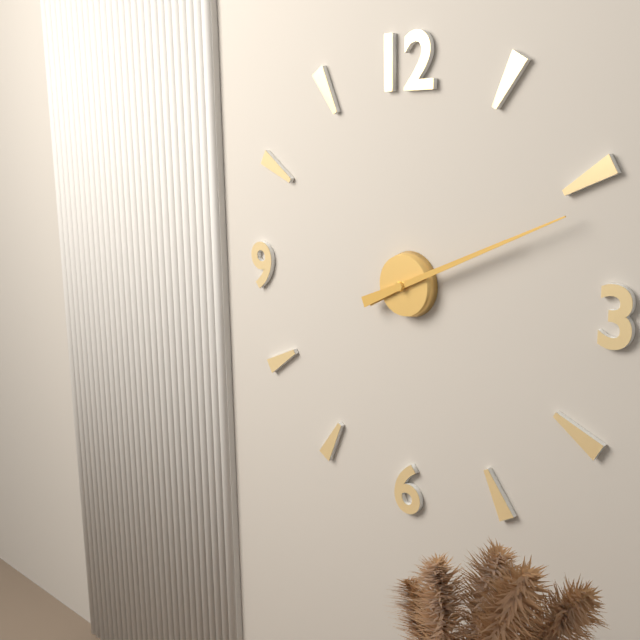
2:11
